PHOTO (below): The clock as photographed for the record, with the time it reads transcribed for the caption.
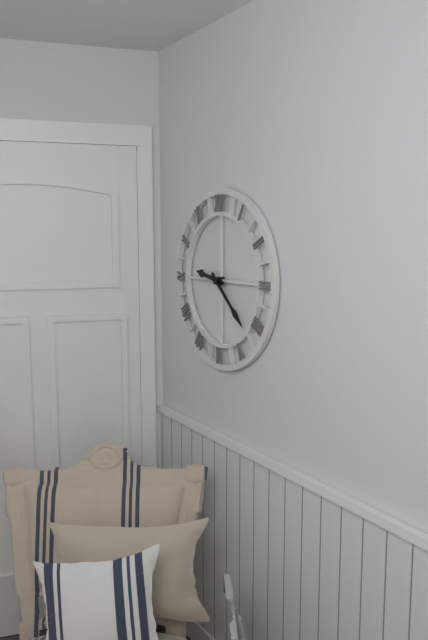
9:22
